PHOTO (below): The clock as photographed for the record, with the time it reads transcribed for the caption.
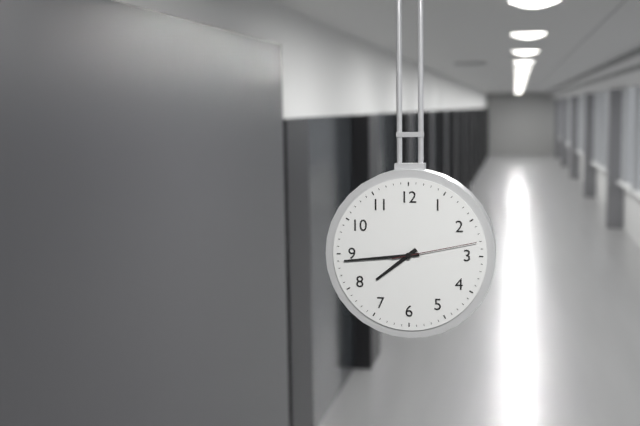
7:44:13
